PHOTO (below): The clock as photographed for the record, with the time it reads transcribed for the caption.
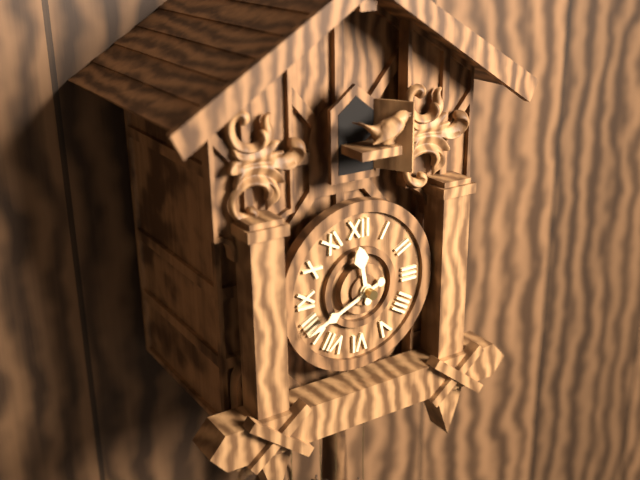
11:41
